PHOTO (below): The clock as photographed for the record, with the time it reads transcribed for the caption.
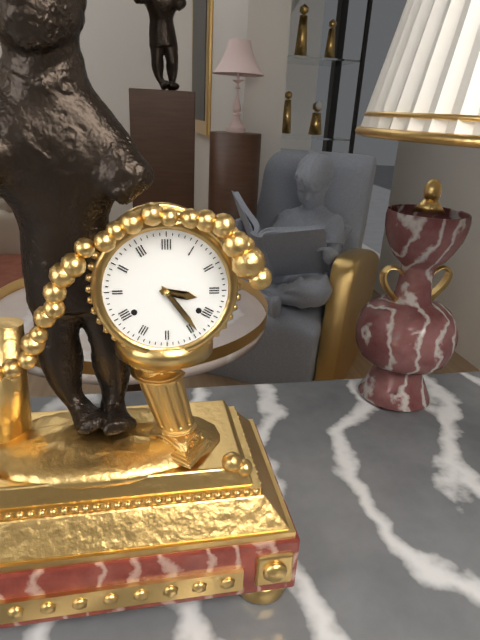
3:24
